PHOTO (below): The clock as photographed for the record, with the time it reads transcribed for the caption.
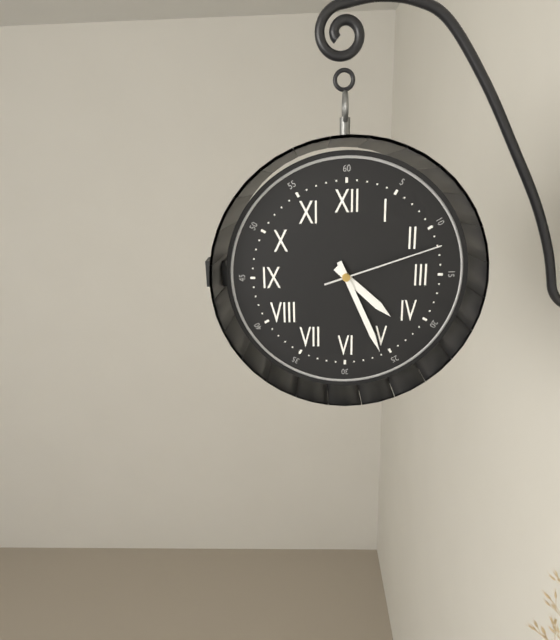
4:26:12
